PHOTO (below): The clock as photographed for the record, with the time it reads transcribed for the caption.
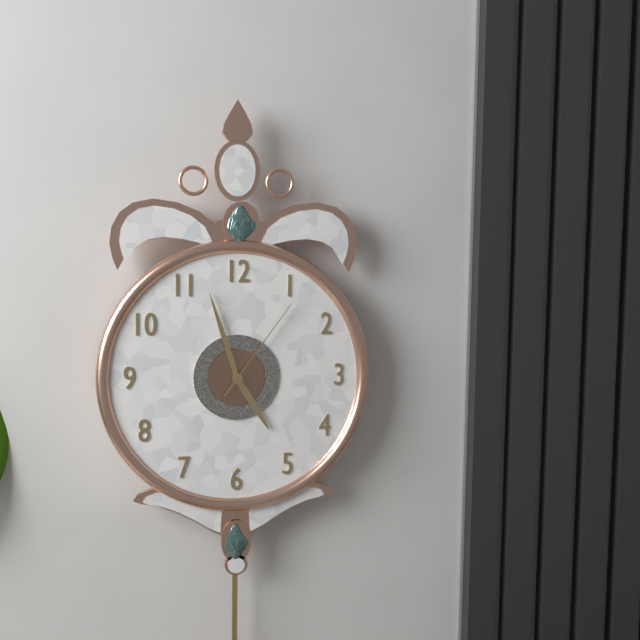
4:57:06
